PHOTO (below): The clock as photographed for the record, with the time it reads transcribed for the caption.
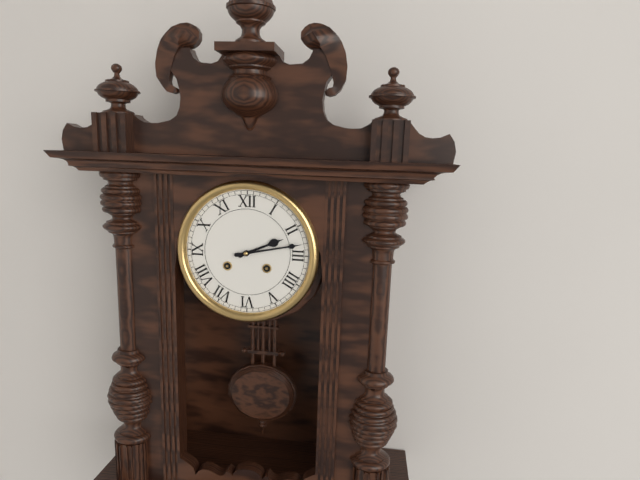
2:13
